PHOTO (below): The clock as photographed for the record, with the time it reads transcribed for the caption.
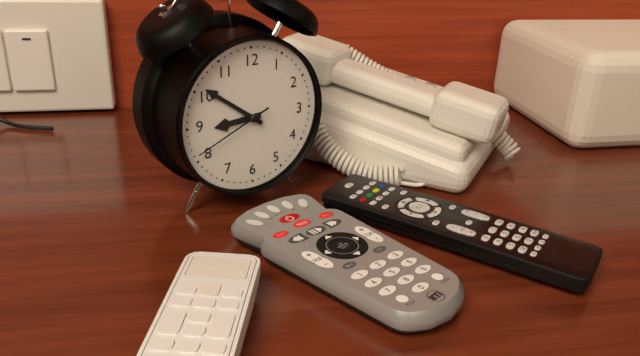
8:51:41
